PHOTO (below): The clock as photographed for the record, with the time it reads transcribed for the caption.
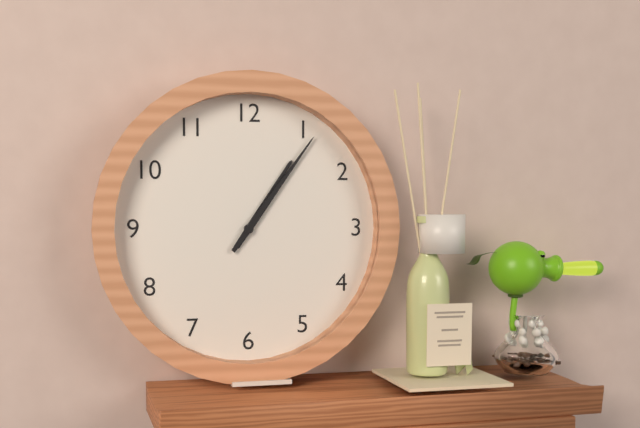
1:06
